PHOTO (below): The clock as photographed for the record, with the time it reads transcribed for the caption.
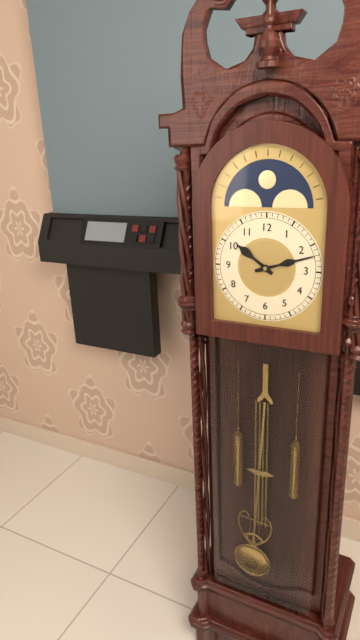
10:12
